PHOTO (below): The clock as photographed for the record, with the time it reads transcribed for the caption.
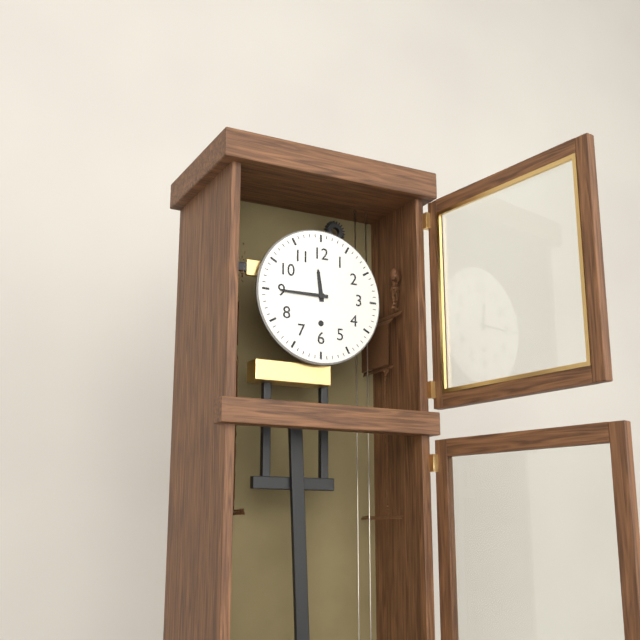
11:45
